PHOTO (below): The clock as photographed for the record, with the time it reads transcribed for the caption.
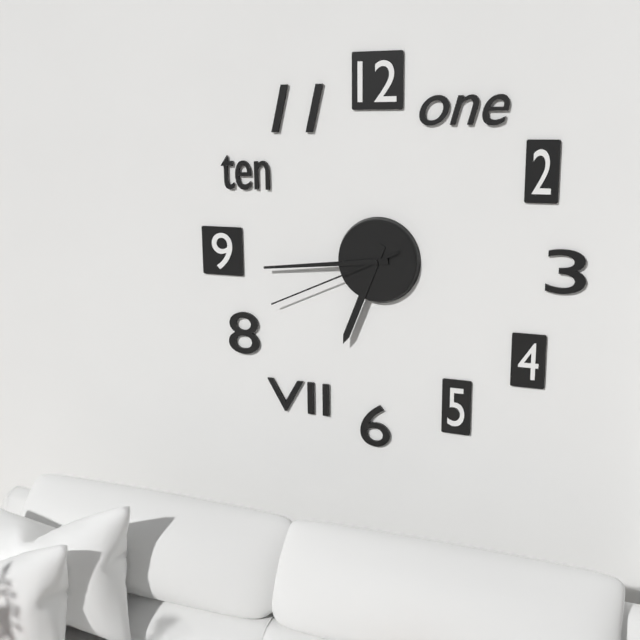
6:44:41
